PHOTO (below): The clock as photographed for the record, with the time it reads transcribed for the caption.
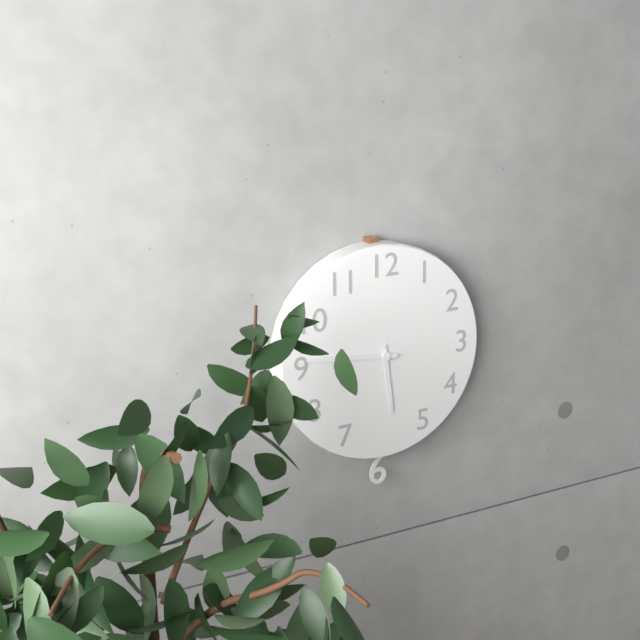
5:46
